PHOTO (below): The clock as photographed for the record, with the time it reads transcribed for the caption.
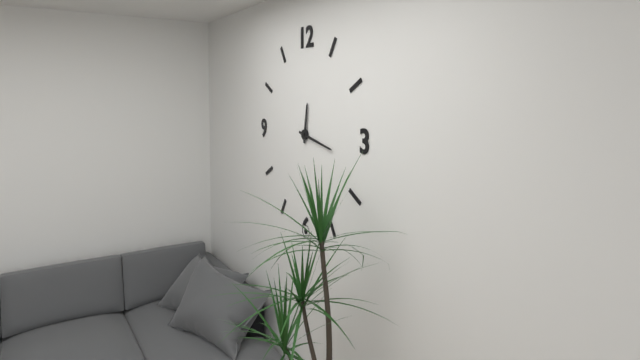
12:17
